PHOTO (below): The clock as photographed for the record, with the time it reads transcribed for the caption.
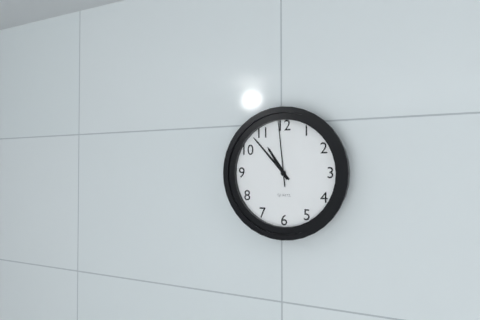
10:53:59
